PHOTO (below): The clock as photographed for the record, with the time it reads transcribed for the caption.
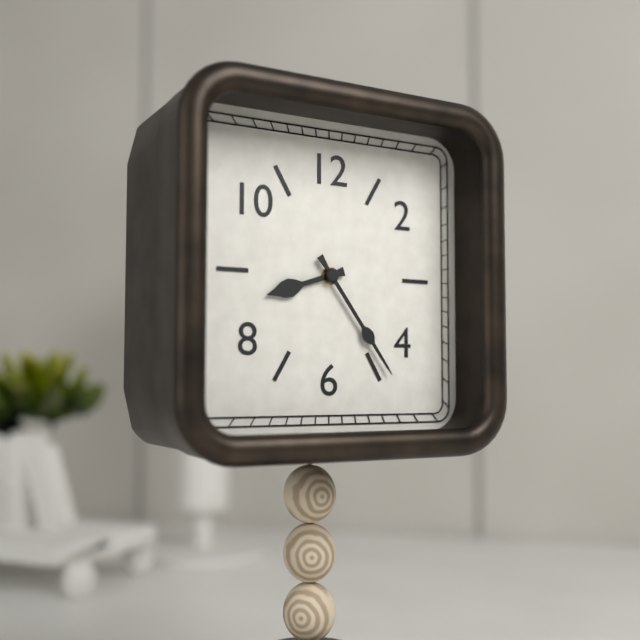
8:24
